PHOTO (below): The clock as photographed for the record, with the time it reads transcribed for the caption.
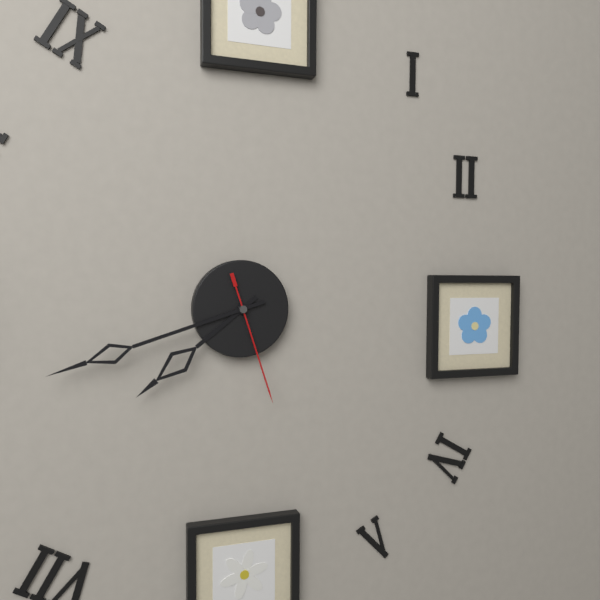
7:42:27
